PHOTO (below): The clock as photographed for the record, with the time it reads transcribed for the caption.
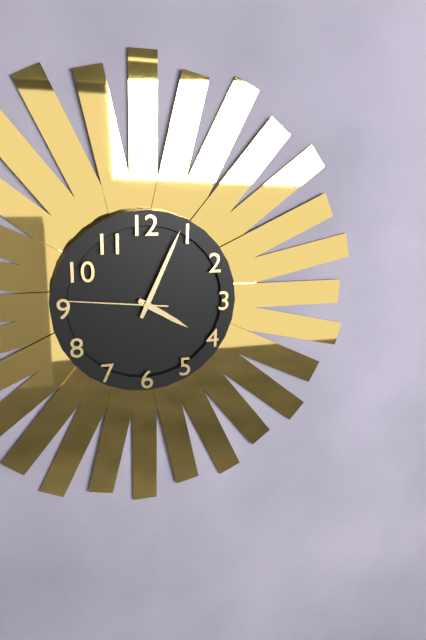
4:04:46
